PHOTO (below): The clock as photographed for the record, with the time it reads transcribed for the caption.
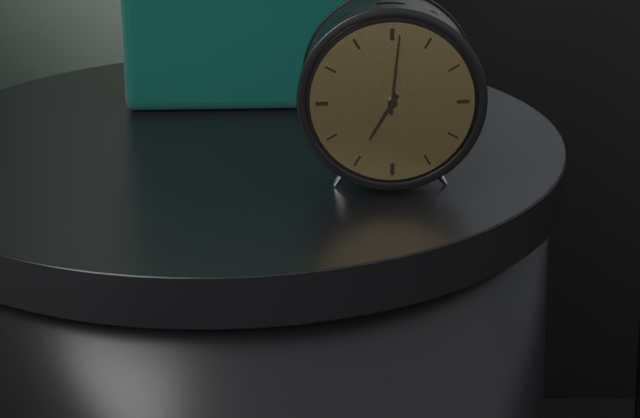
7:01
